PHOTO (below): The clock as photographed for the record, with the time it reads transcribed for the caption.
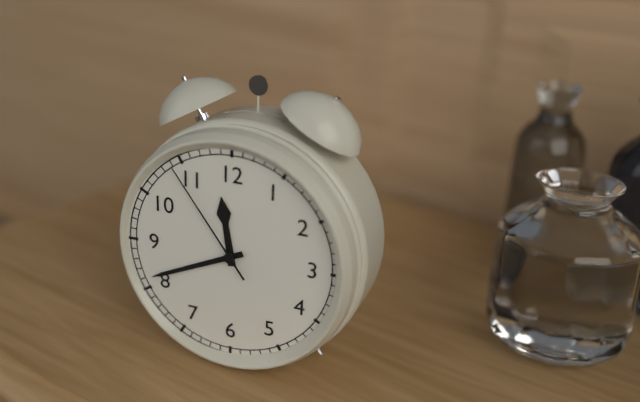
11:41:54
